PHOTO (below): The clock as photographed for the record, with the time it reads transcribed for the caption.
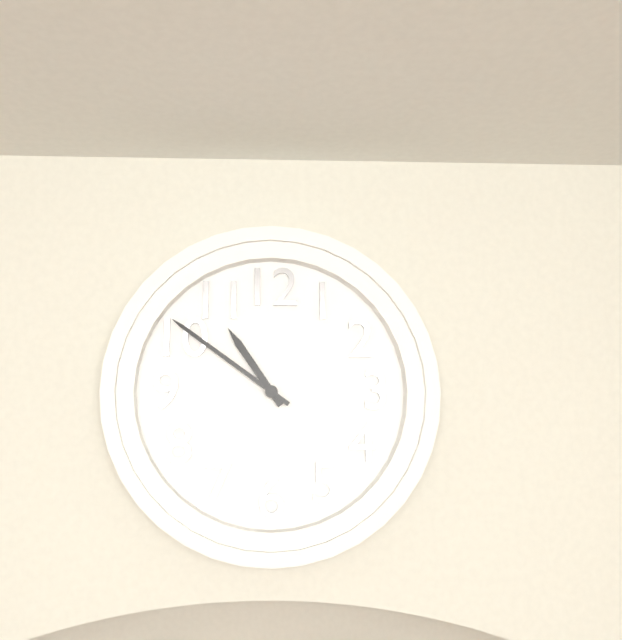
10:51
